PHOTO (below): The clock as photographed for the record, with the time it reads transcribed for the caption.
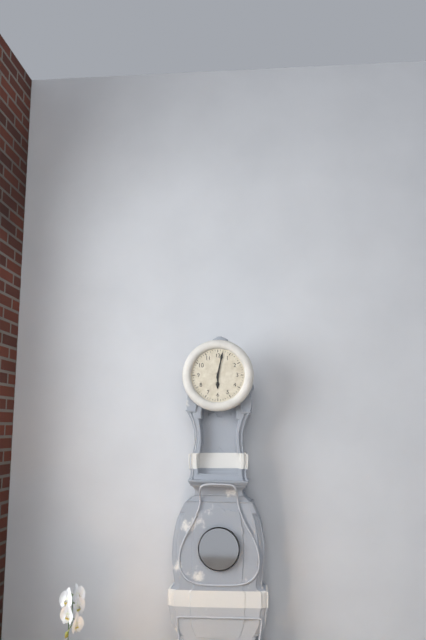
6:02
